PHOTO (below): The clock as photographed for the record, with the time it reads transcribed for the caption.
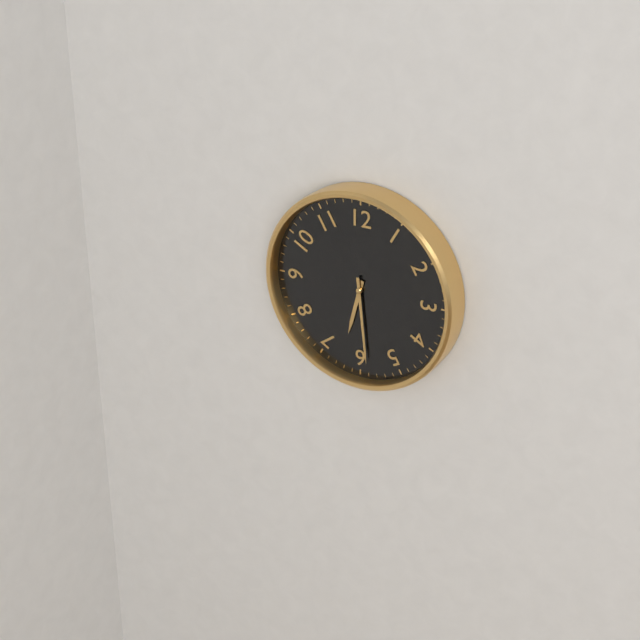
6:29
